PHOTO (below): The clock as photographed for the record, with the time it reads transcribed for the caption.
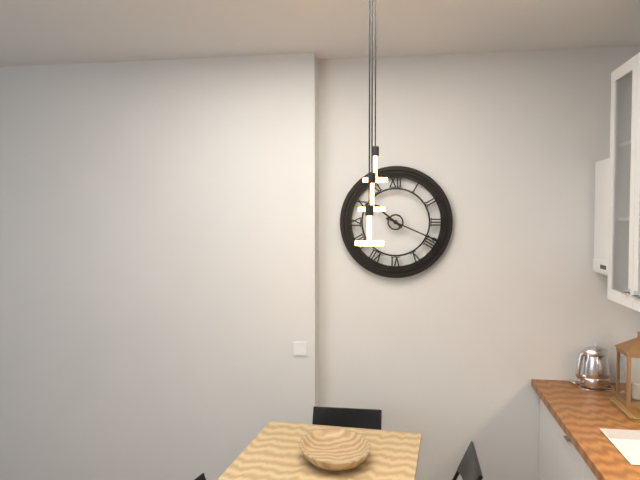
10:19
